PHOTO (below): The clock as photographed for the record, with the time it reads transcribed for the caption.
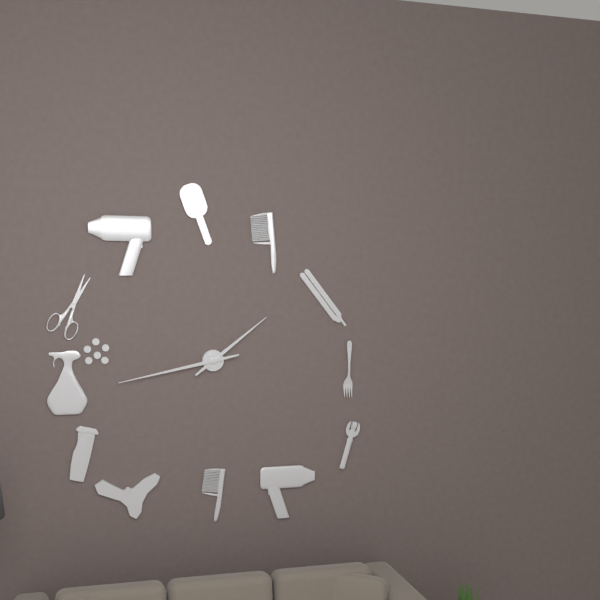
1:43
